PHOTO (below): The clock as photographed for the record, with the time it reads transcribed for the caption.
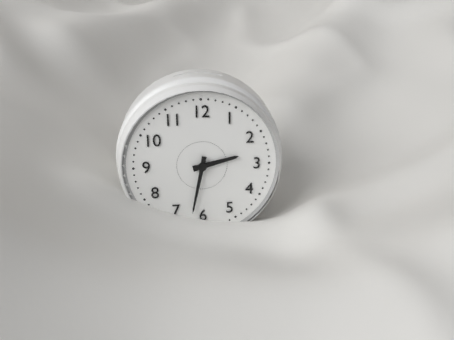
2:32
